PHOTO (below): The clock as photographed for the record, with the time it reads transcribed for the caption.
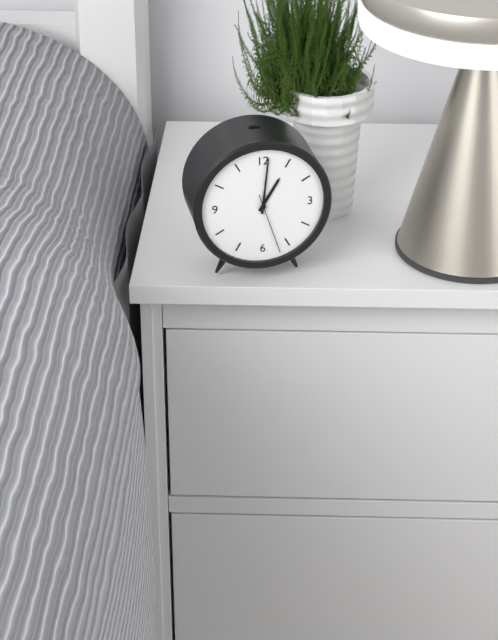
1:01:27
